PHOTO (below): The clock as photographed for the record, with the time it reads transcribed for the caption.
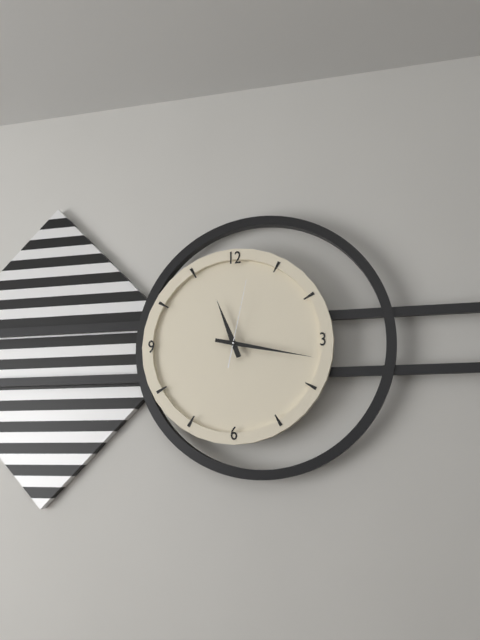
11:17:02
